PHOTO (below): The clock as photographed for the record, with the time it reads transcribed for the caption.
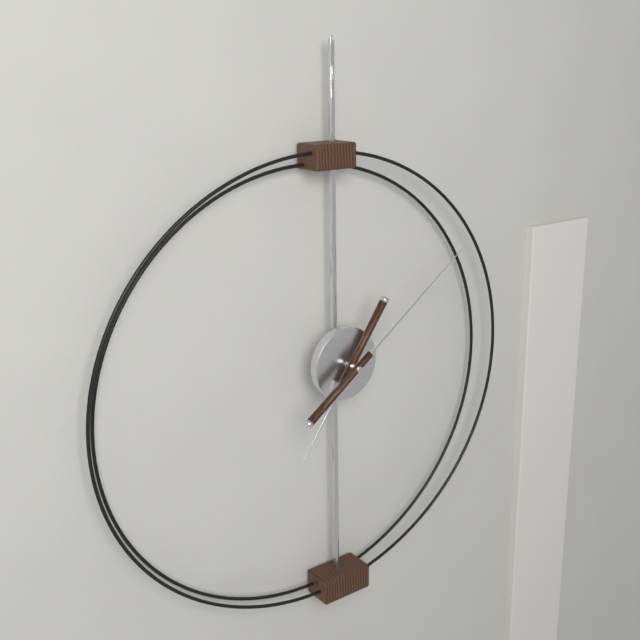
7:09
